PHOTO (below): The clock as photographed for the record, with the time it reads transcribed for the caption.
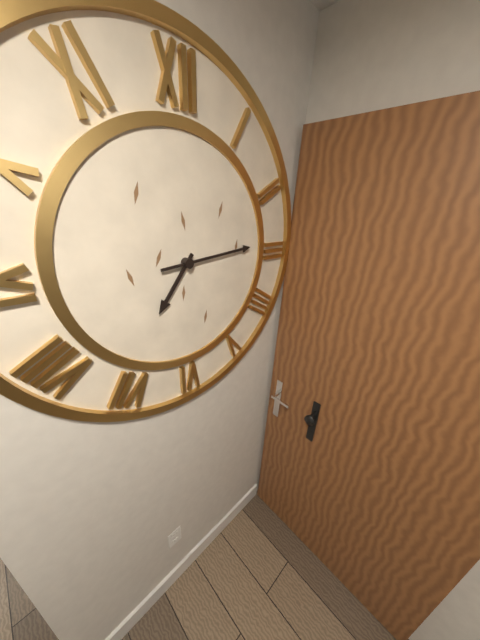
7:14
